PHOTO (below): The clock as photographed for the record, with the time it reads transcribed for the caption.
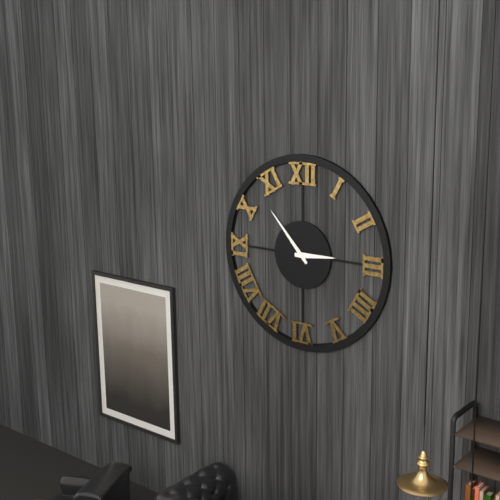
2:53
